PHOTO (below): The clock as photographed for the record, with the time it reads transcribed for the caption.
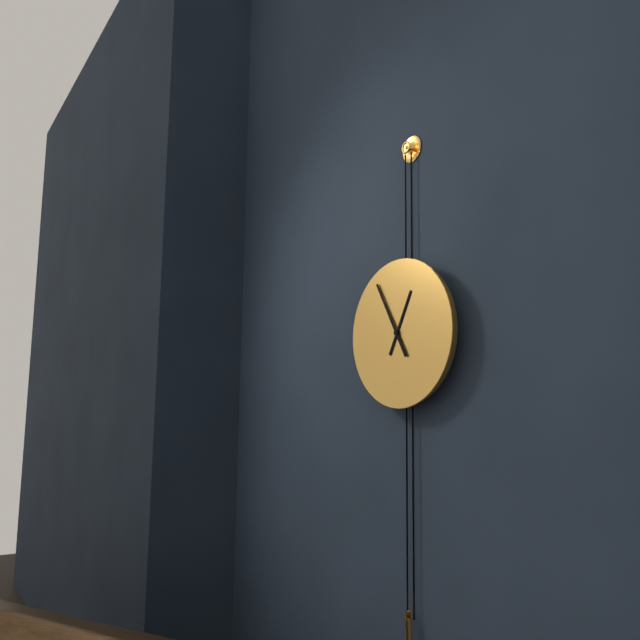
12:55
